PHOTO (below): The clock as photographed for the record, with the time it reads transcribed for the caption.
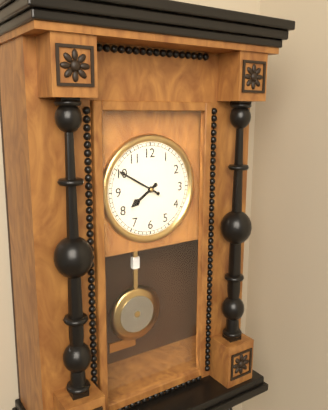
7:50
